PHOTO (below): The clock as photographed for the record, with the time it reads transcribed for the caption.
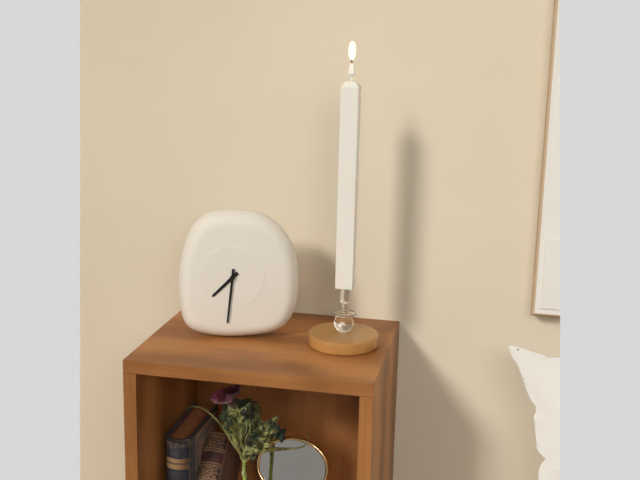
7:31
